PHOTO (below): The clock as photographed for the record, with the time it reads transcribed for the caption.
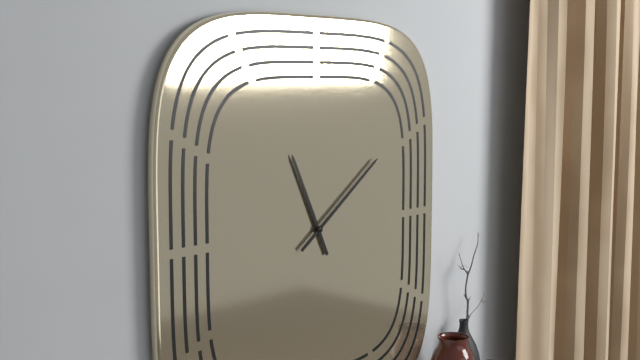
11:09
